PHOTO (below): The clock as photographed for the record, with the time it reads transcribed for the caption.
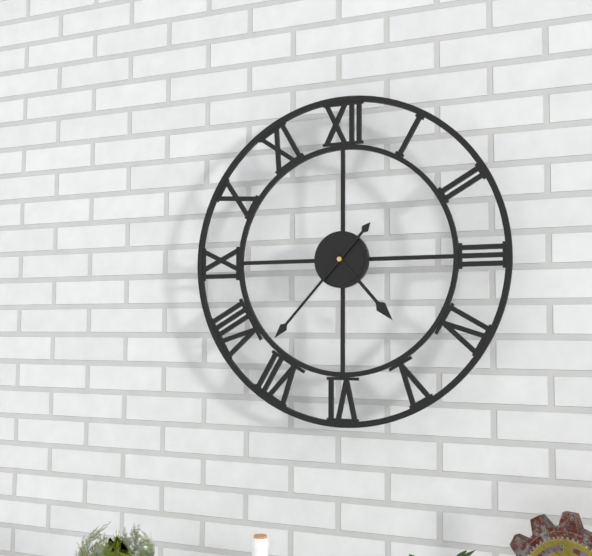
4:37
